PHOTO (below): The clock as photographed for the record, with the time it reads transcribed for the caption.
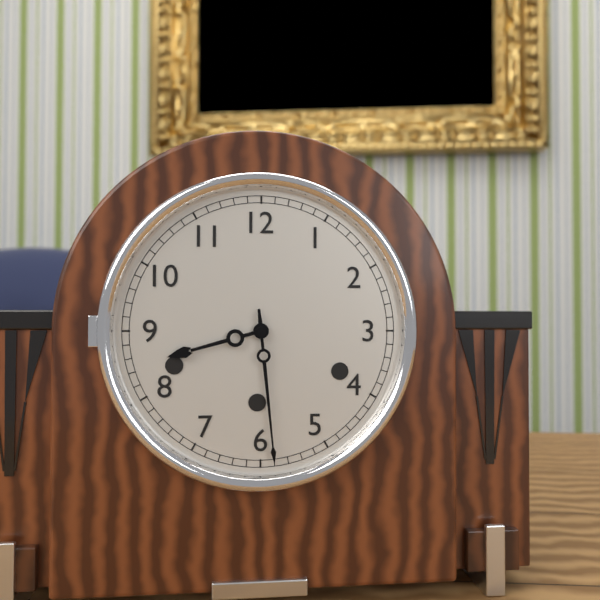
8:29
